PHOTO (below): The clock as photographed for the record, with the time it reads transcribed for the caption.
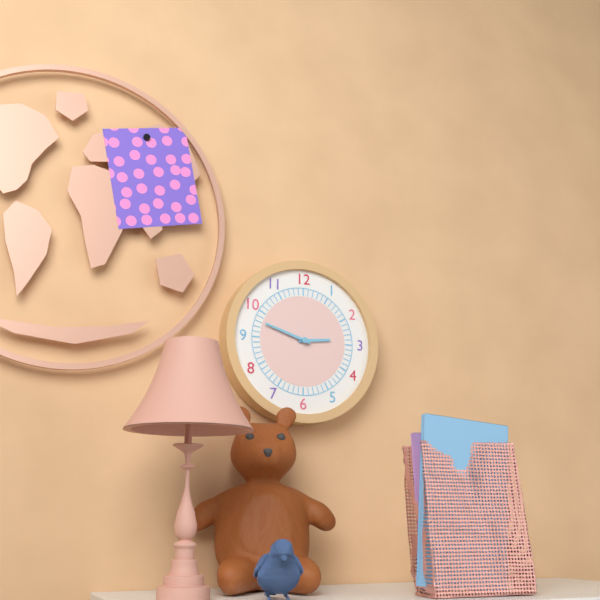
2:48
